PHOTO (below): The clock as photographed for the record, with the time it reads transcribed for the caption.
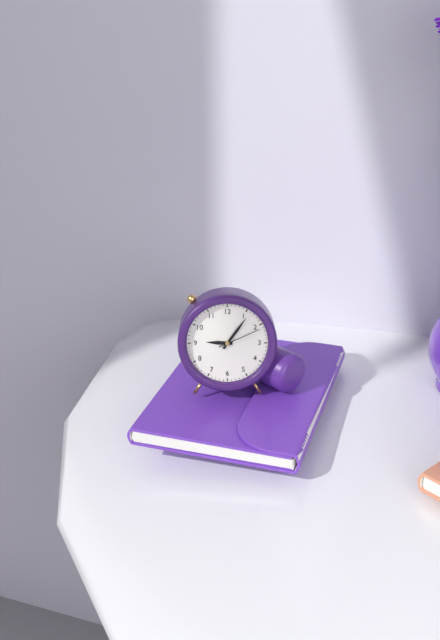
9:06
